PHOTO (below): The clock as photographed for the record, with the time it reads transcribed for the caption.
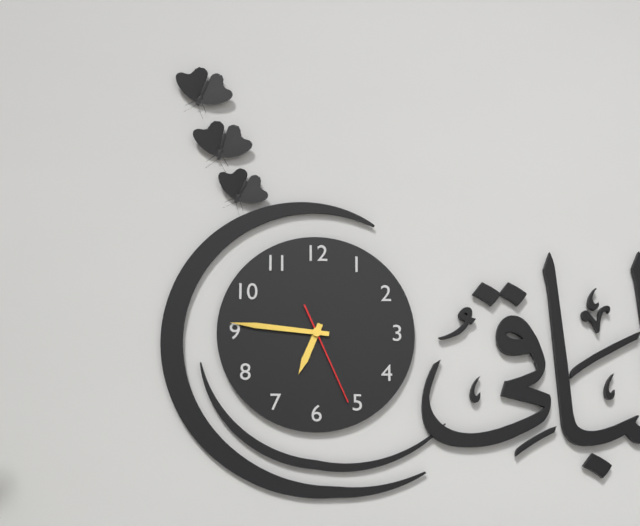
6:46:26
